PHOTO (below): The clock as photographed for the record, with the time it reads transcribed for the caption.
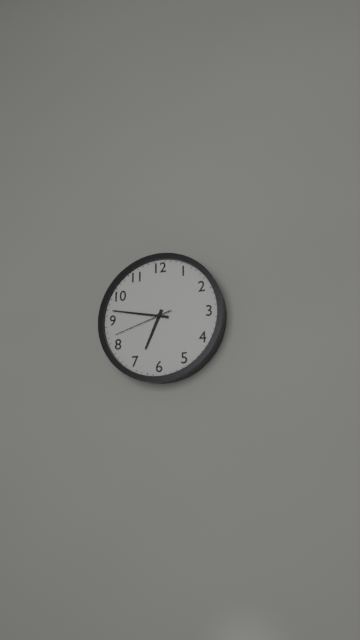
6:47:42
